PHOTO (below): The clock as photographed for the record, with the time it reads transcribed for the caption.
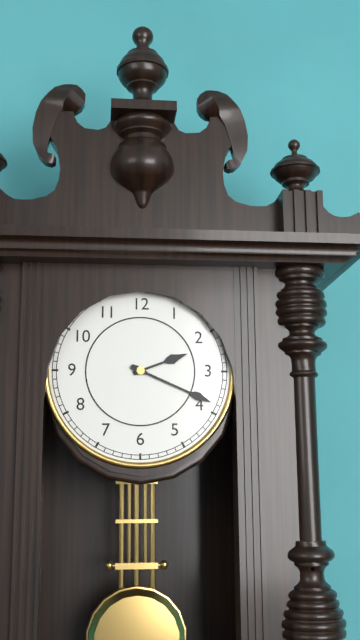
2:19
